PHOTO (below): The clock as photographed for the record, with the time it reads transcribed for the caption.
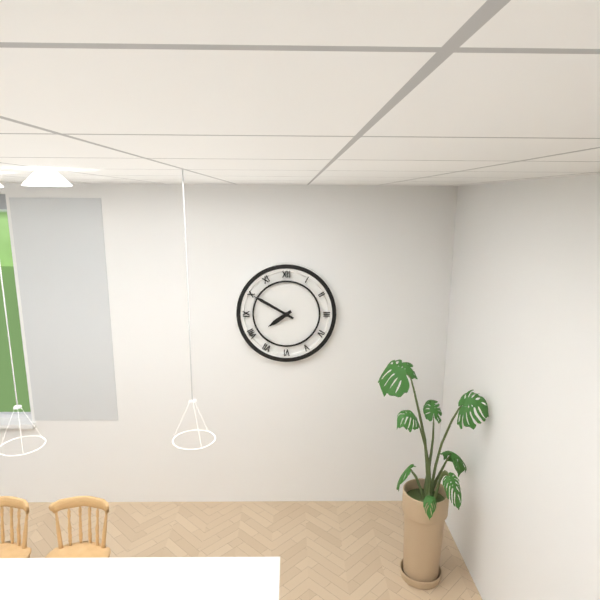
7:50
